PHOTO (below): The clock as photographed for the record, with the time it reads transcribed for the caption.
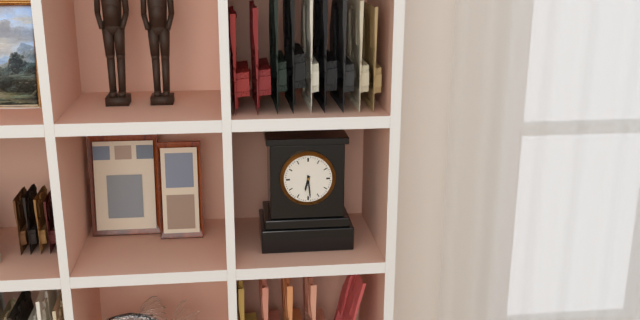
6:29
